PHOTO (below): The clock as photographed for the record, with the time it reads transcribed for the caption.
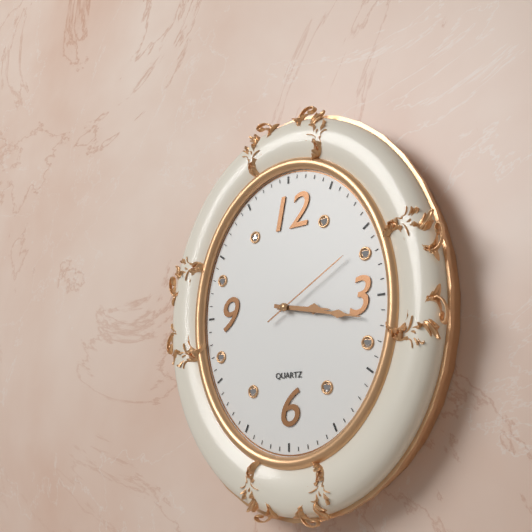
3:17:10
